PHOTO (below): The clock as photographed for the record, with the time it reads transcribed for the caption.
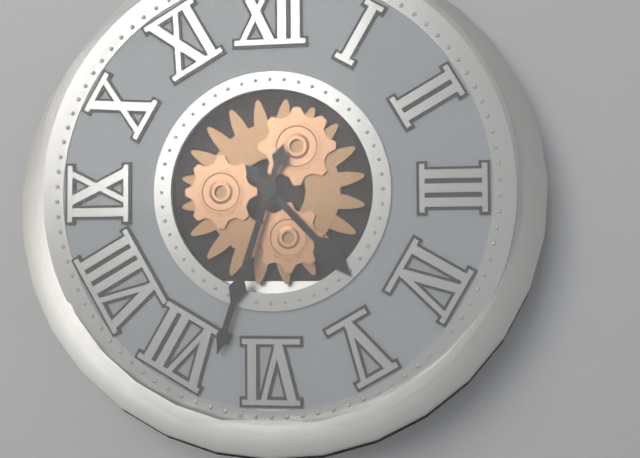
4:33
